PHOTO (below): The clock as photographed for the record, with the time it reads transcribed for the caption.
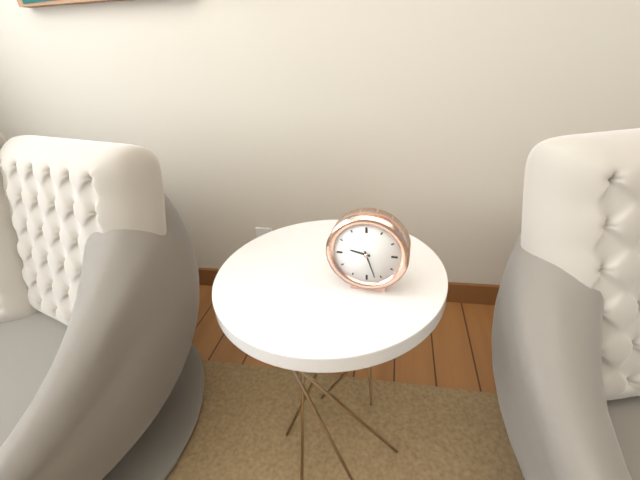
9:27
